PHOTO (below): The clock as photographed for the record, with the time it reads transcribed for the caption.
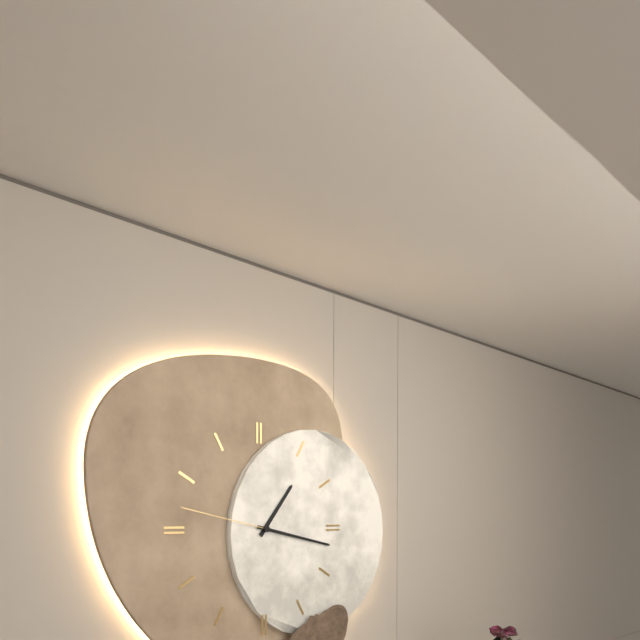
1:17:47
